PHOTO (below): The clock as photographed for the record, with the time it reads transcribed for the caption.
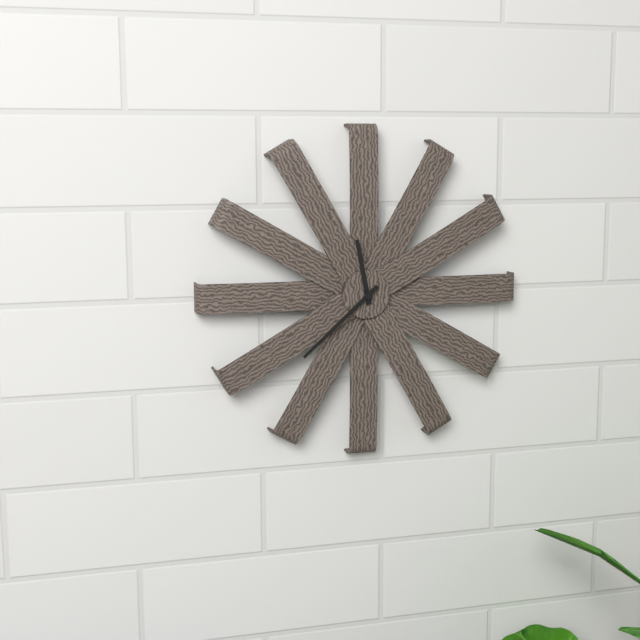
11:38
